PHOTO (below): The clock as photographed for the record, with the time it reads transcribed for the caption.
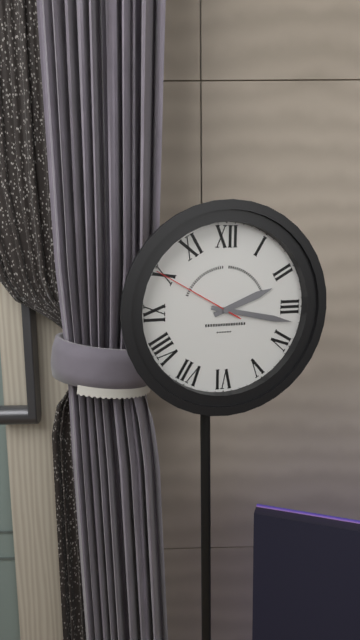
2:17:50
